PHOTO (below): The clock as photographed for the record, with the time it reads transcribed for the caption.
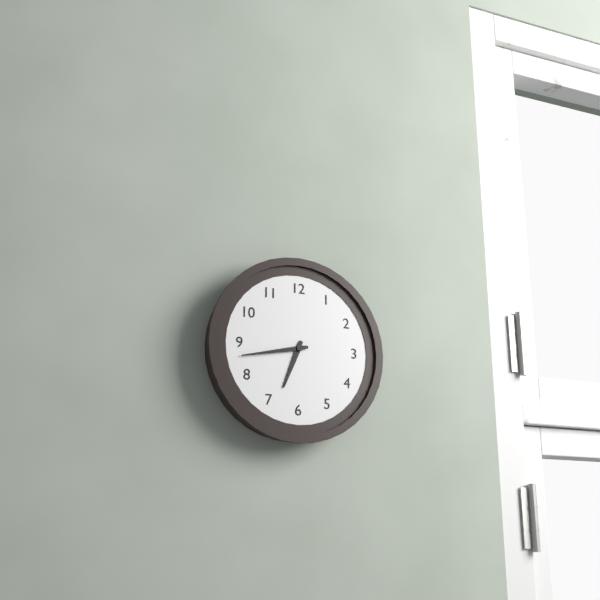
6:43
